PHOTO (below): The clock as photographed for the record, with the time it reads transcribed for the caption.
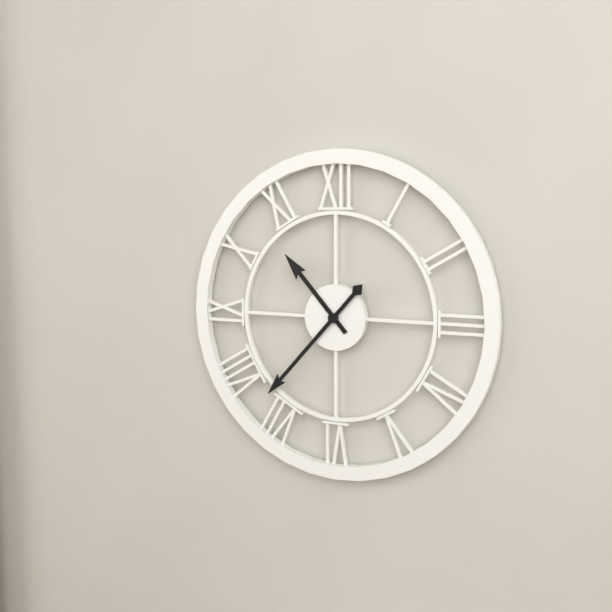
10:37
